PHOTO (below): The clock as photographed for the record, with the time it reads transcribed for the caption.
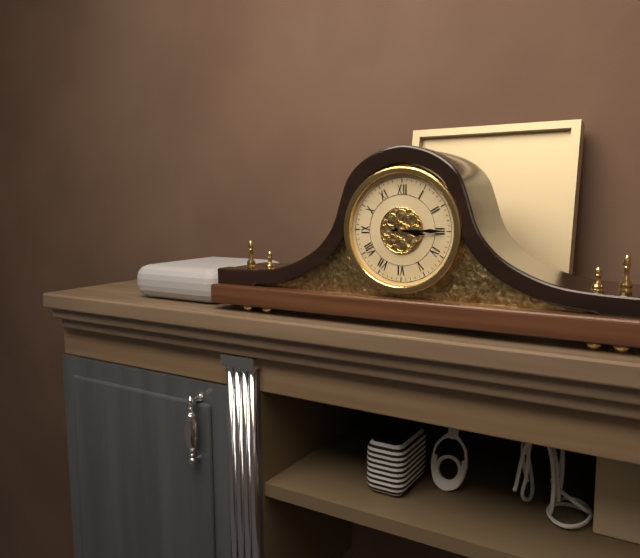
3:15
